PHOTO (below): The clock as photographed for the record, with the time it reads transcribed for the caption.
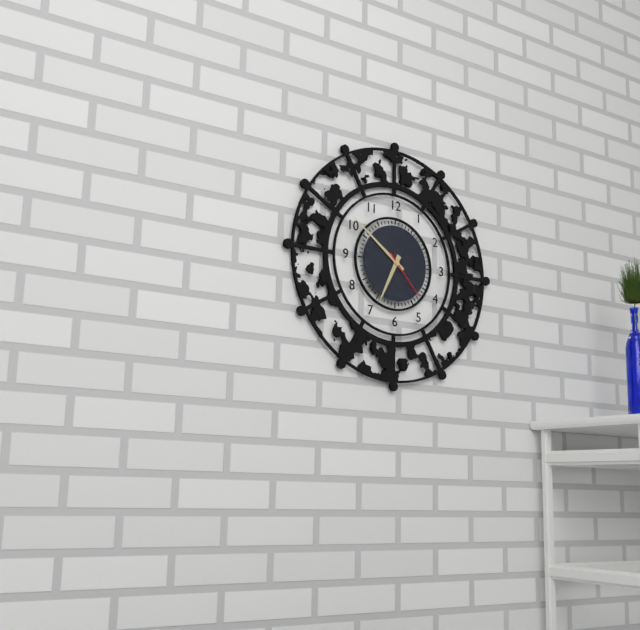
6:51:23
